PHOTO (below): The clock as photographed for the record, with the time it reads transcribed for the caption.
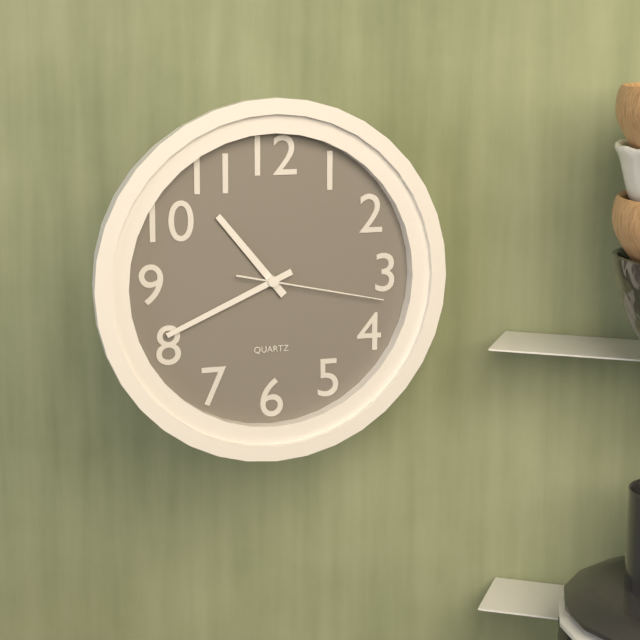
10:41:17
